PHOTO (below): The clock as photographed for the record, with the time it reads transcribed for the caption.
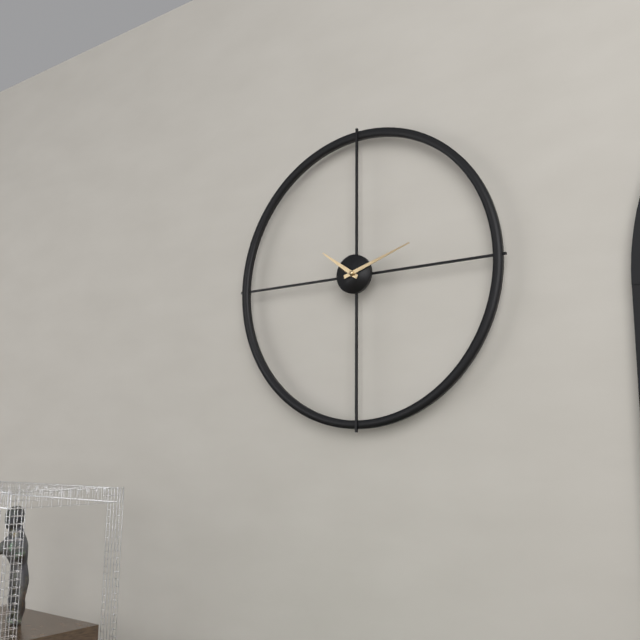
10:12
